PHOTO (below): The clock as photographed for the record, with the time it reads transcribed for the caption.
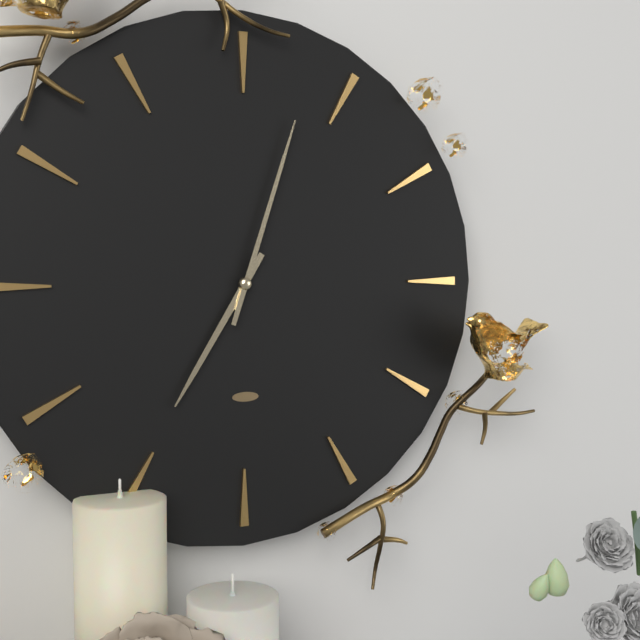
7:03
